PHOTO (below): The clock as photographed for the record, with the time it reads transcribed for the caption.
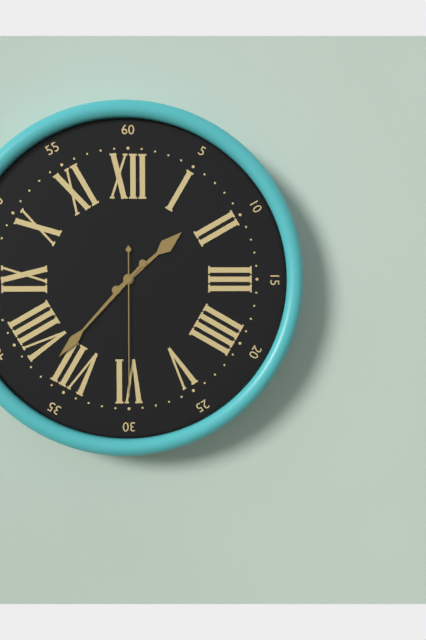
1:37:30
